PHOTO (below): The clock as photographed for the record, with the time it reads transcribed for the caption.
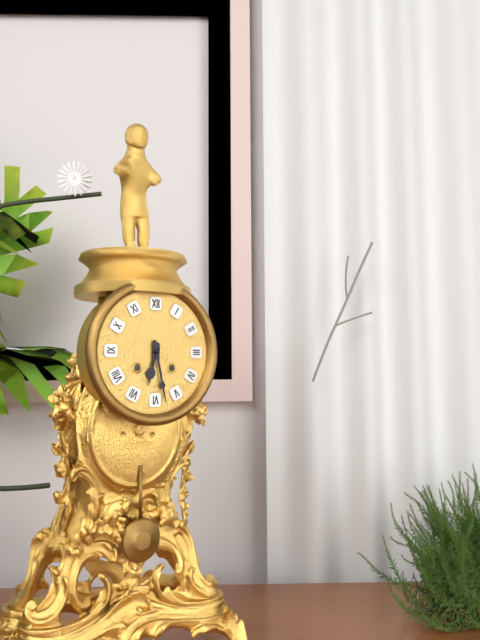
6:28
